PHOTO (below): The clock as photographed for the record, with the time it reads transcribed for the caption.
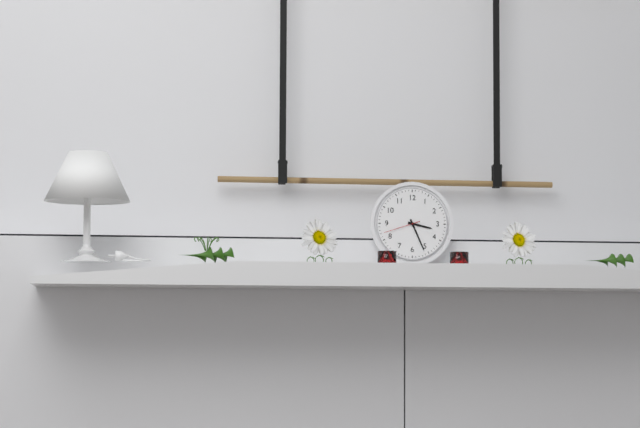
3:26
